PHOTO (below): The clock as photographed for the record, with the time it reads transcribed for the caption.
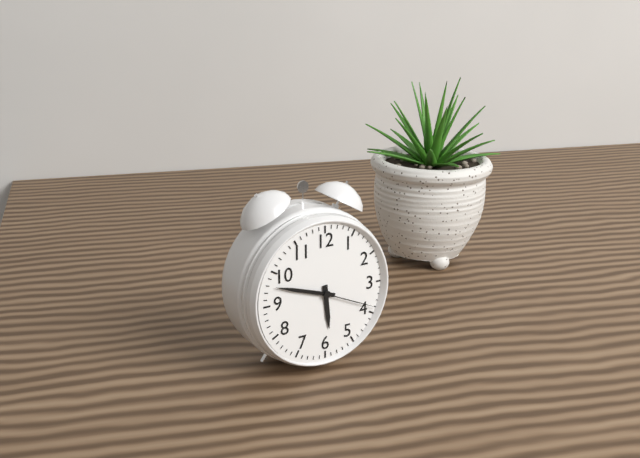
5:48:19
